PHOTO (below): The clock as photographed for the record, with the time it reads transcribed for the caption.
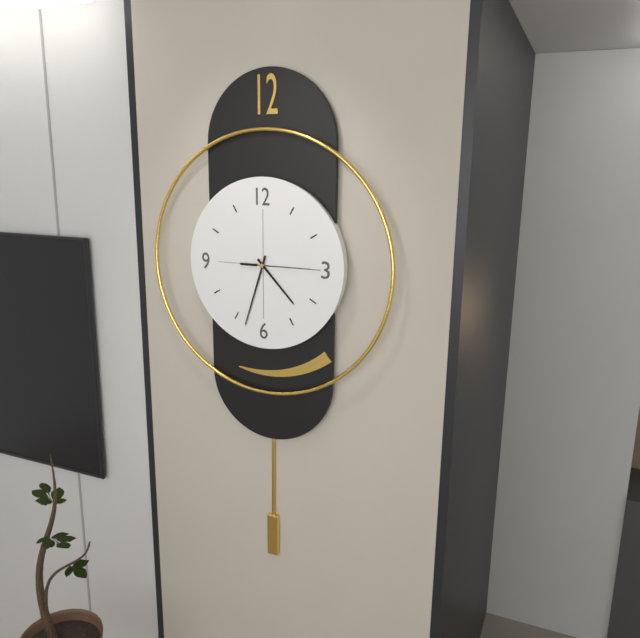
4:33:15
